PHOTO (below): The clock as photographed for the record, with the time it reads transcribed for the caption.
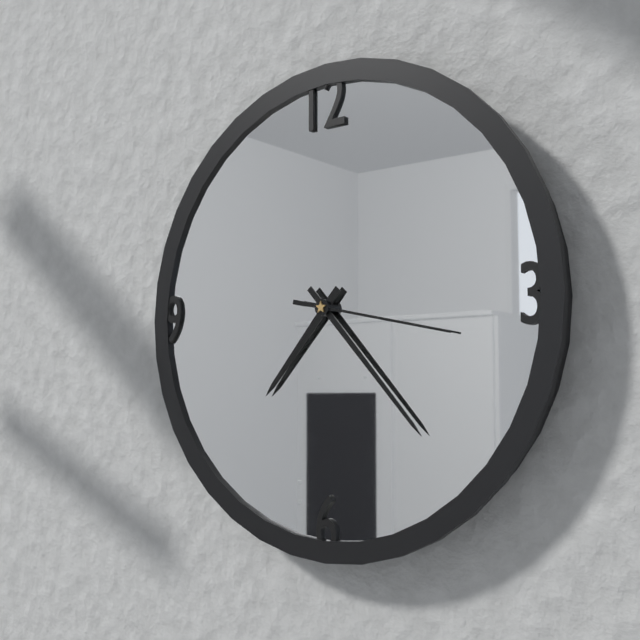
7:23:17
